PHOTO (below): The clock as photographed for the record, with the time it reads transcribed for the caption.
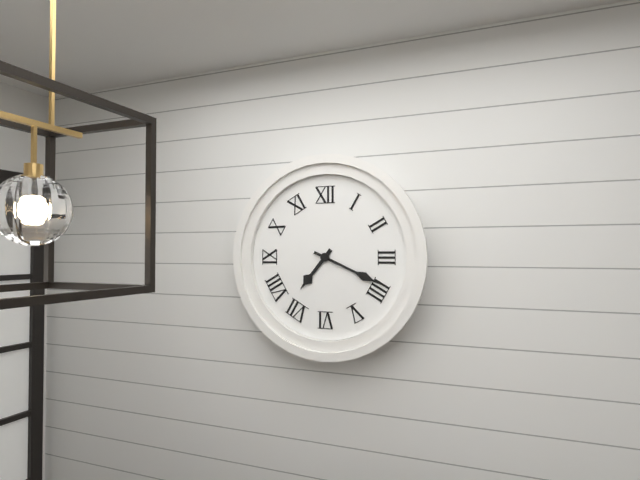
7:19
